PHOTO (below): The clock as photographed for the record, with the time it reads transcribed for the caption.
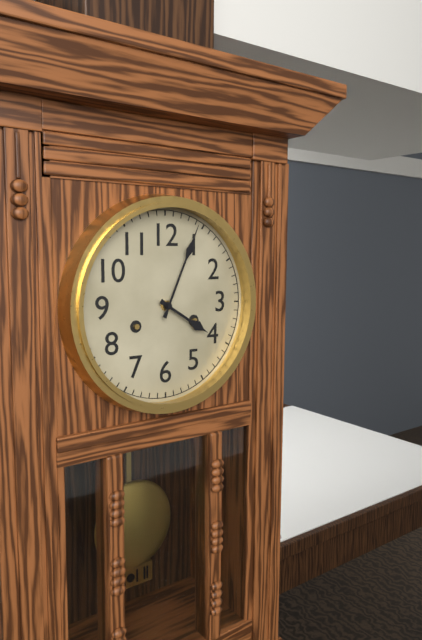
4:04
